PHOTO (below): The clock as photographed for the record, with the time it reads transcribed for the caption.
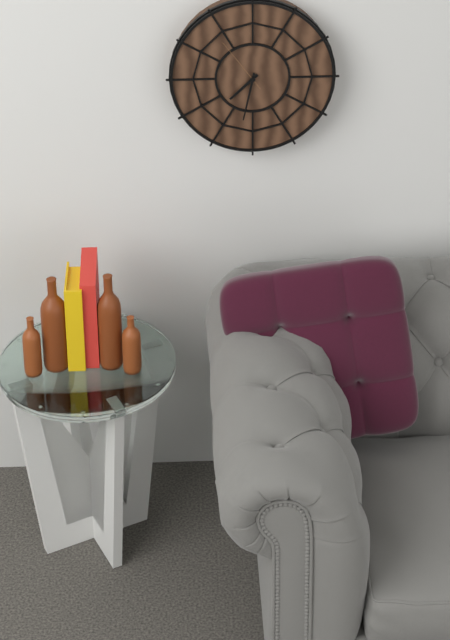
7:32:54
